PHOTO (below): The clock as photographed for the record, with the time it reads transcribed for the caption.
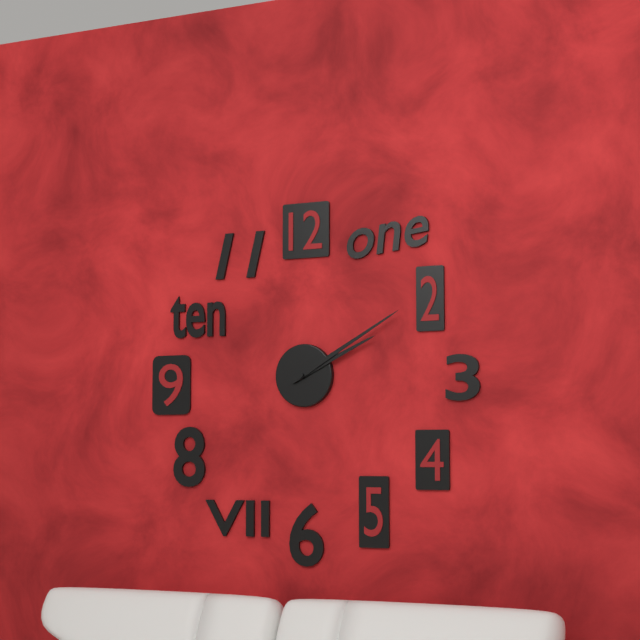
2:10
